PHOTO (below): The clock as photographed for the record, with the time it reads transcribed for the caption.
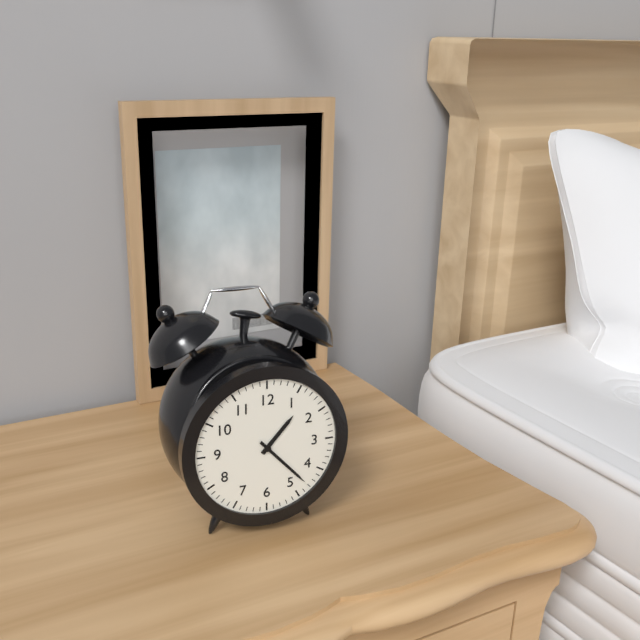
1:23
